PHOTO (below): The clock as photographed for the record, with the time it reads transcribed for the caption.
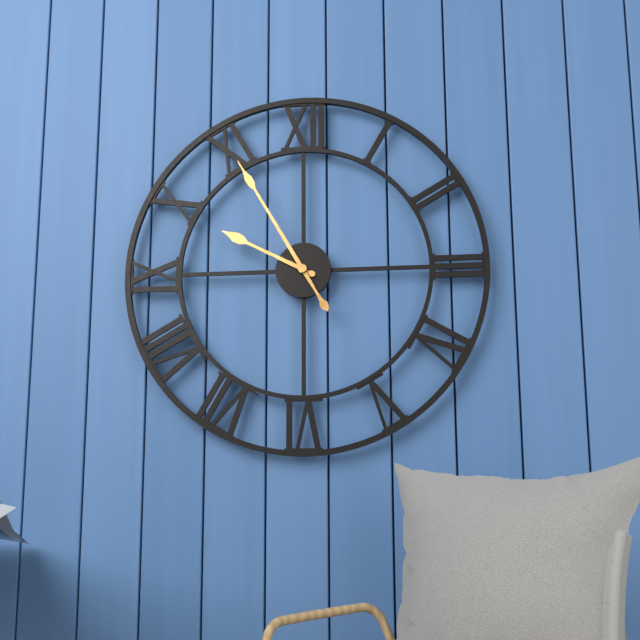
9:55
